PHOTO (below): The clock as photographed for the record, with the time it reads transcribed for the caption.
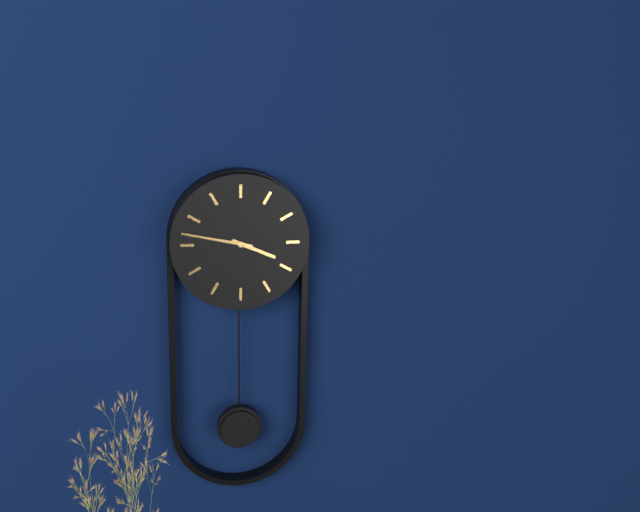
3:47
